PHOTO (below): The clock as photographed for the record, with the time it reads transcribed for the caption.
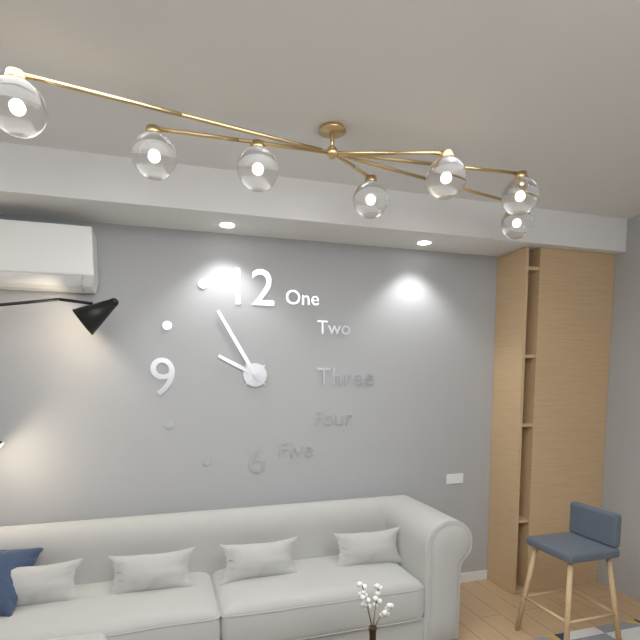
9:55
